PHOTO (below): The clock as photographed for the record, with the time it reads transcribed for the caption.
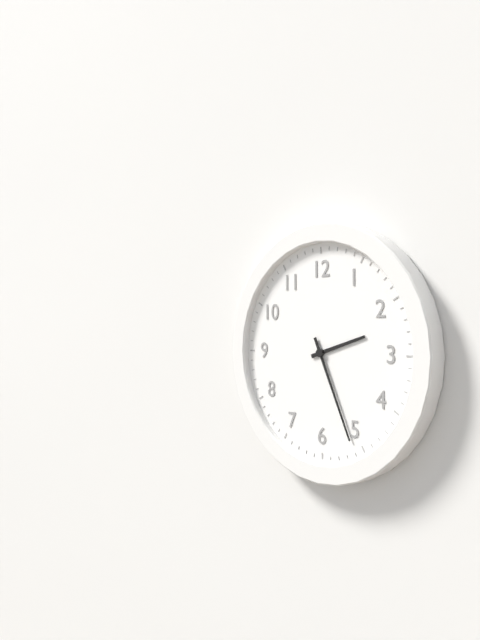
2:26
